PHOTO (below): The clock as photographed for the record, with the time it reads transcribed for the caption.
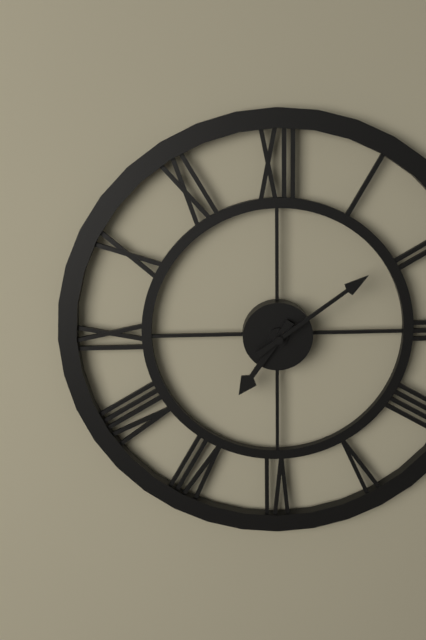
7:09
